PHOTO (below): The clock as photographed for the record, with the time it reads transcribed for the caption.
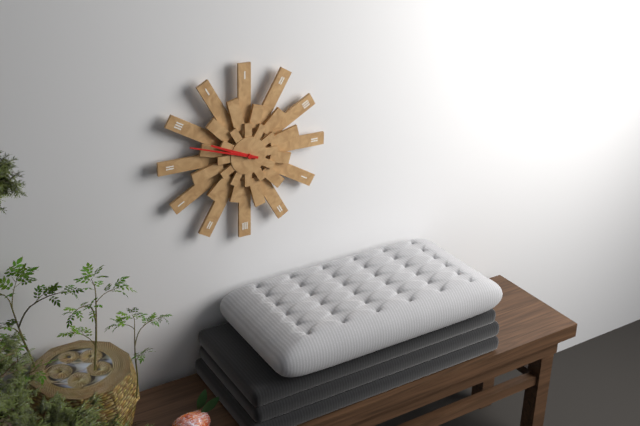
9:48
